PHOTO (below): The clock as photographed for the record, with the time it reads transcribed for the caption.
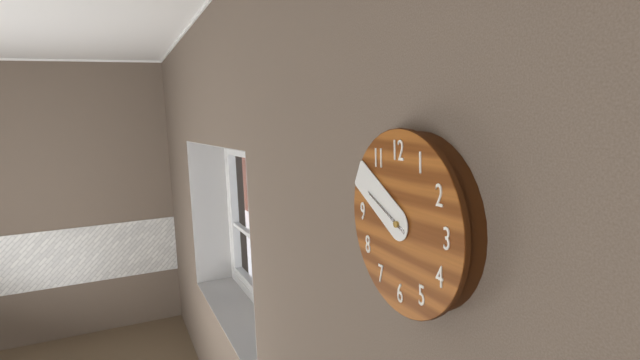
9:50
